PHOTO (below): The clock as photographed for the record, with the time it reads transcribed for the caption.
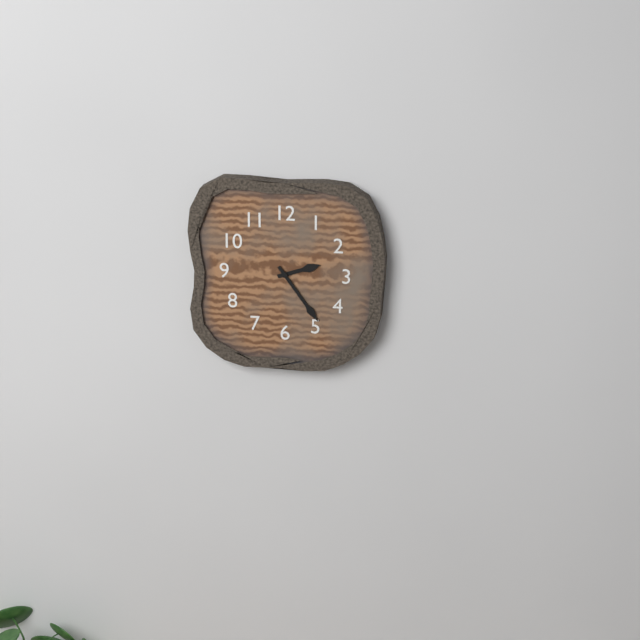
2:24
